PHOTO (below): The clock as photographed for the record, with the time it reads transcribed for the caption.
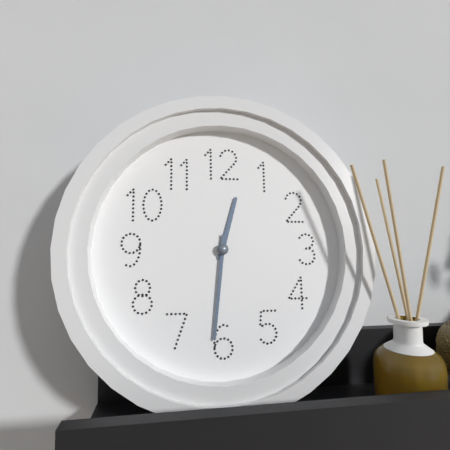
12:31
